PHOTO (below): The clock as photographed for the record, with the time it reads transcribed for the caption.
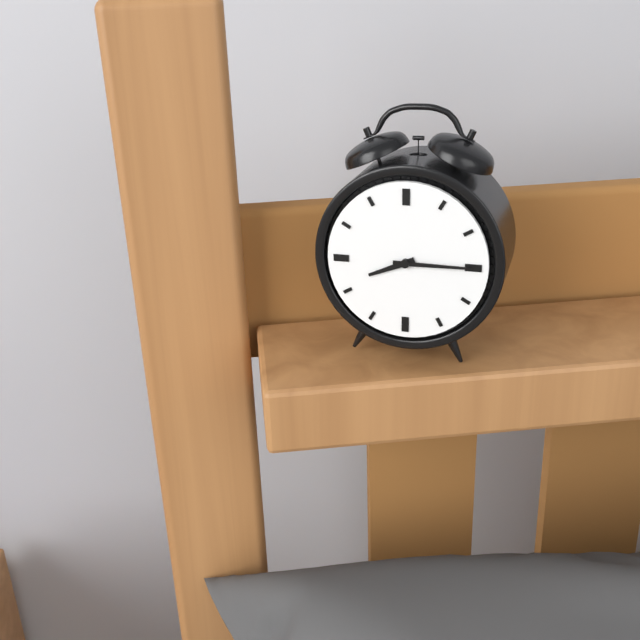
8:15
